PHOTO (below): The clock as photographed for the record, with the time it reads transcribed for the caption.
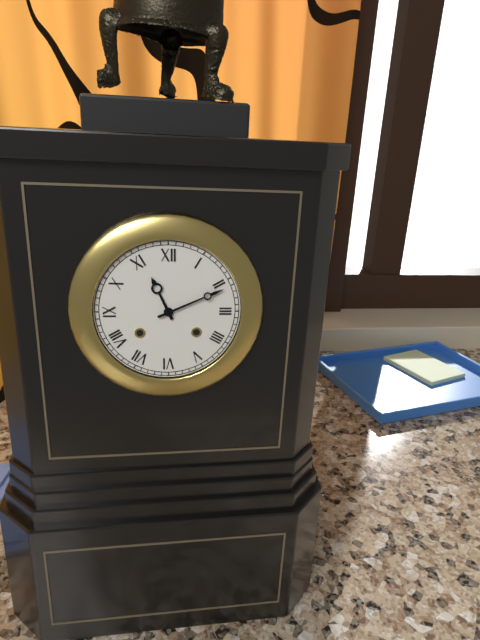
11:11
